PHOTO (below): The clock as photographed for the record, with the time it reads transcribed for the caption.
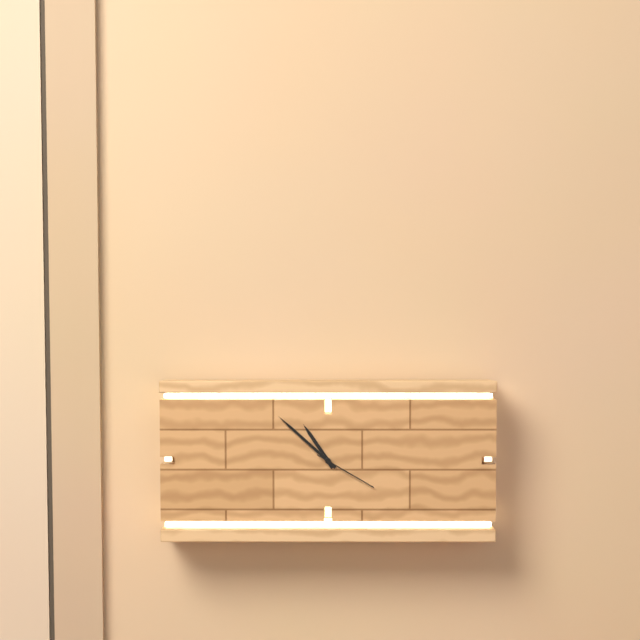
10:52:20
